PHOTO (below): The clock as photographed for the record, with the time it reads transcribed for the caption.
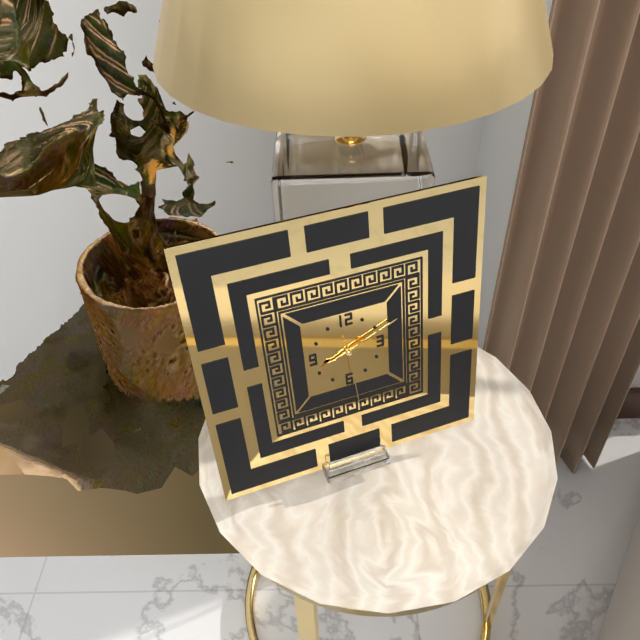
8:11:29
